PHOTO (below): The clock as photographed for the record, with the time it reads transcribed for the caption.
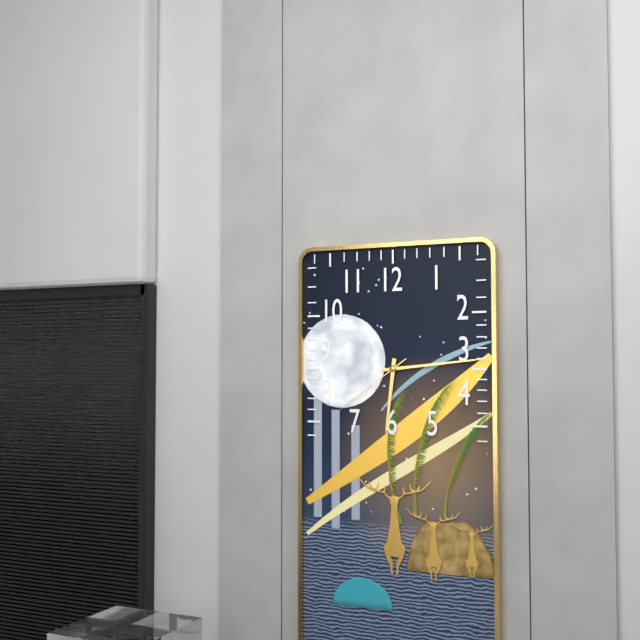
6:14:39
